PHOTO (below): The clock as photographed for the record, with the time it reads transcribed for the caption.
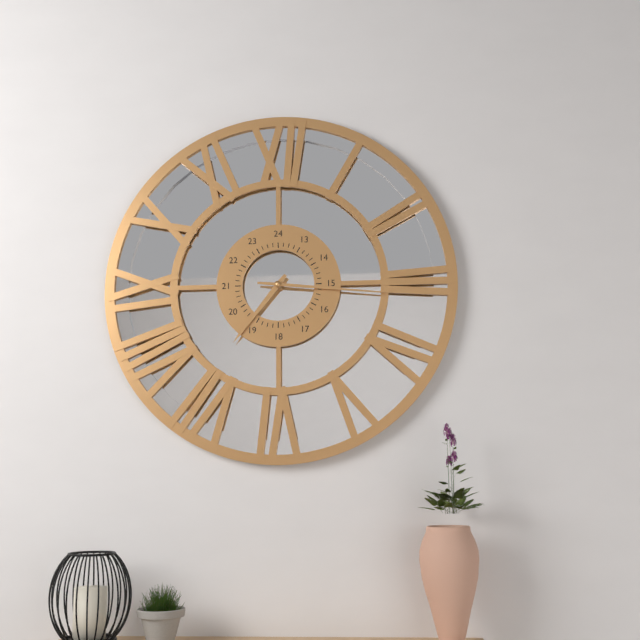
7:16
